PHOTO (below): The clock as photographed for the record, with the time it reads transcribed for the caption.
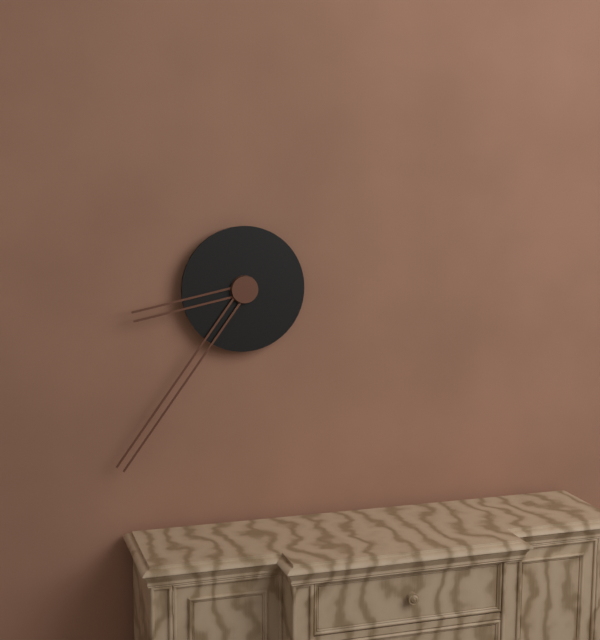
8:36
